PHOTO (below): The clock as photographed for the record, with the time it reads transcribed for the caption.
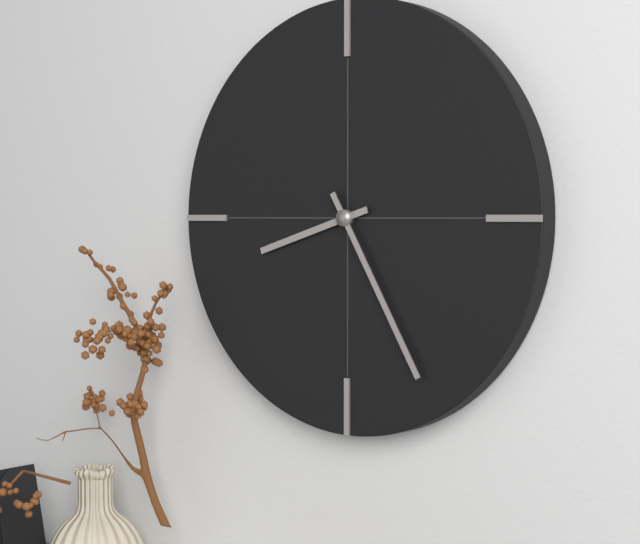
8:25
